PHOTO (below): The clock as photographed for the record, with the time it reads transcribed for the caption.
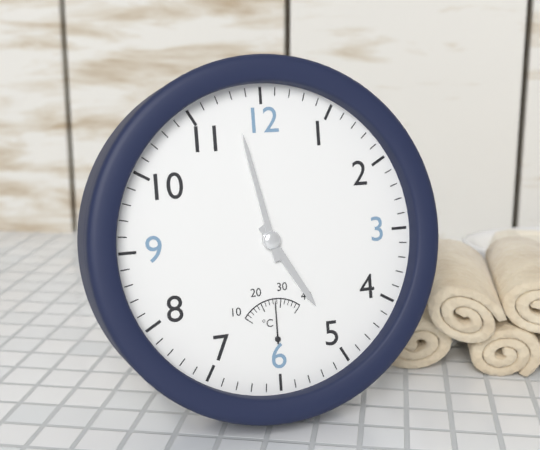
4:58
